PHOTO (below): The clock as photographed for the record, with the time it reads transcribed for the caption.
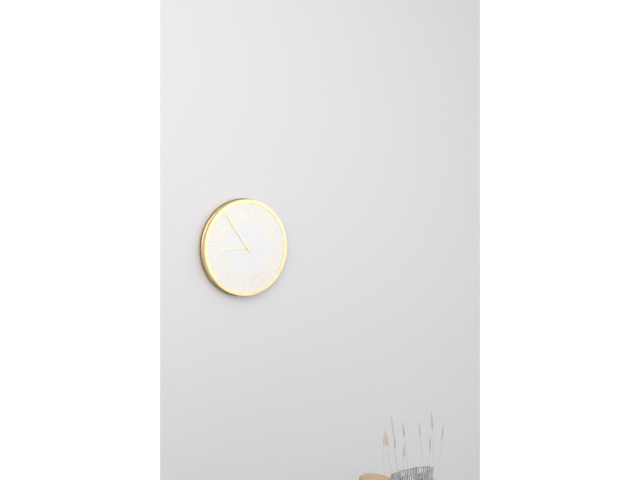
8:54
